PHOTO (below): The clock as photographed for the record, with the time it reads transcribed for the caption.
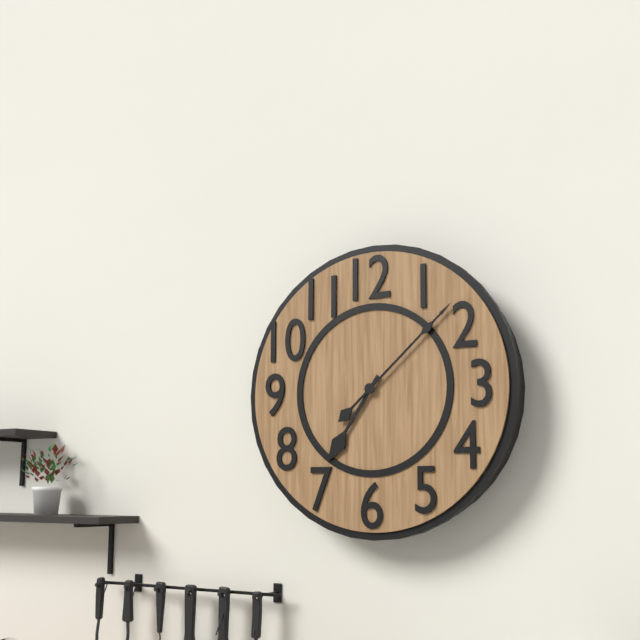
7:08
